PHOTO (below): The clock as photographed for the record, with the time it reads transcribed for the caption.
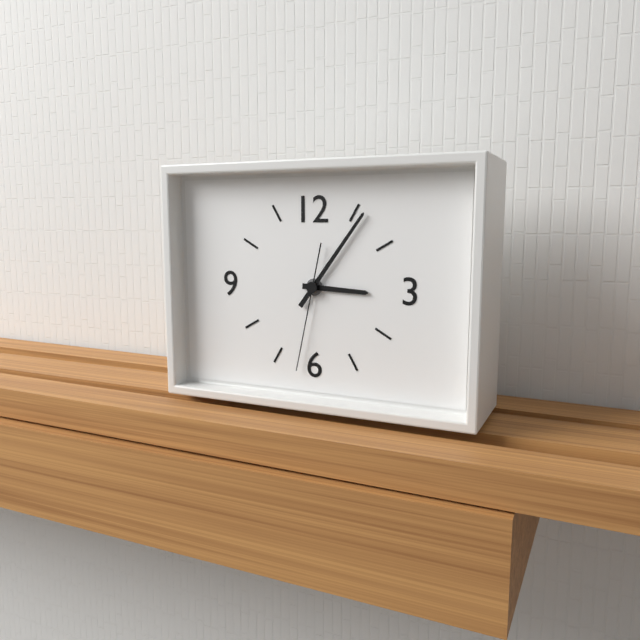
3:06:32
